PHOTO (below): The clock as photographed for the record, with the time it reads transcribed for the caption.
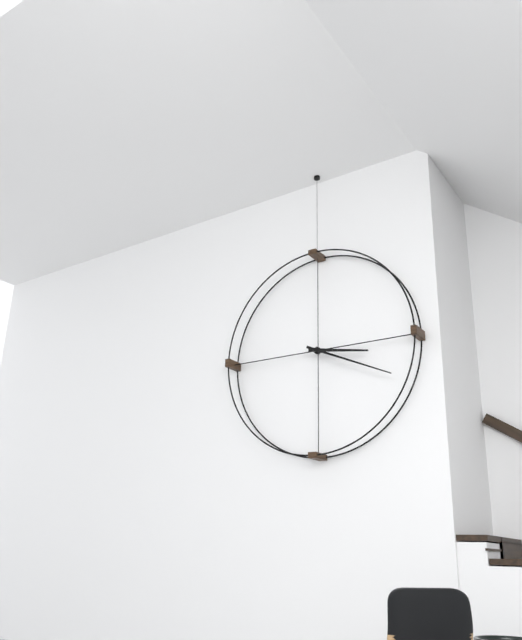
3:19
